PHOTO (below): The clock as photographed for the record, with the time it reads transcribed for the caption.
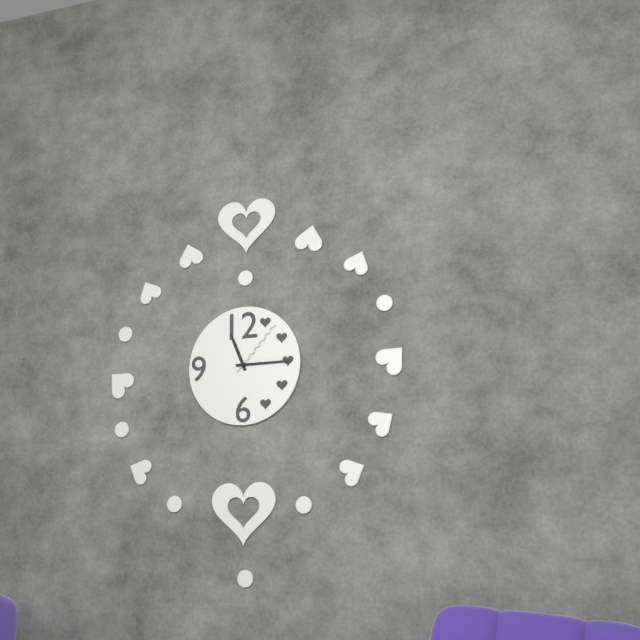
11:15:07
